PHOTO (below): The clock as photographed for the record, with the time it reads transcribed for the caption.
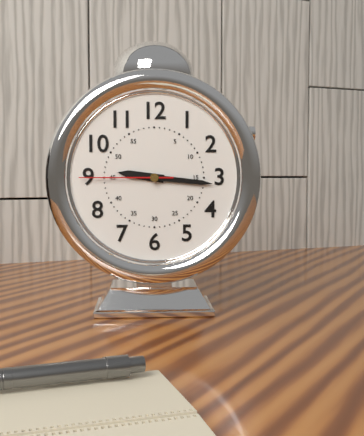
9:16:45
